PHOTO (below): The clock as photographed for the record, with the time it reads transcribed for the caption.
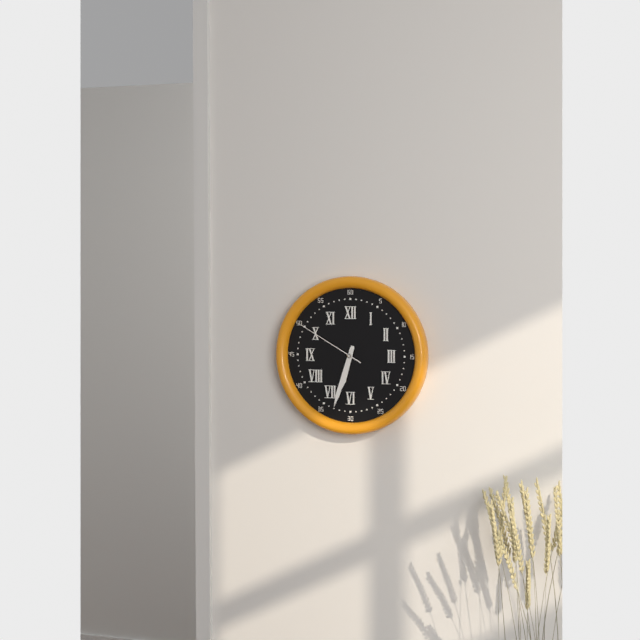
6:33:50
